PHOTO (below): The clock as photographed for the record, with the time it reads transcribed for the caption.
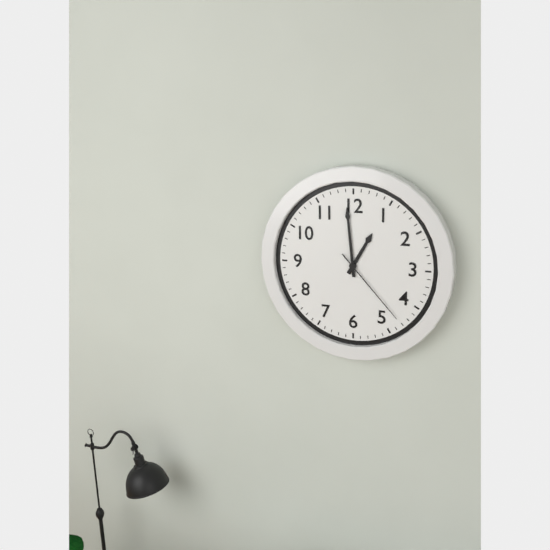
12:59:23
